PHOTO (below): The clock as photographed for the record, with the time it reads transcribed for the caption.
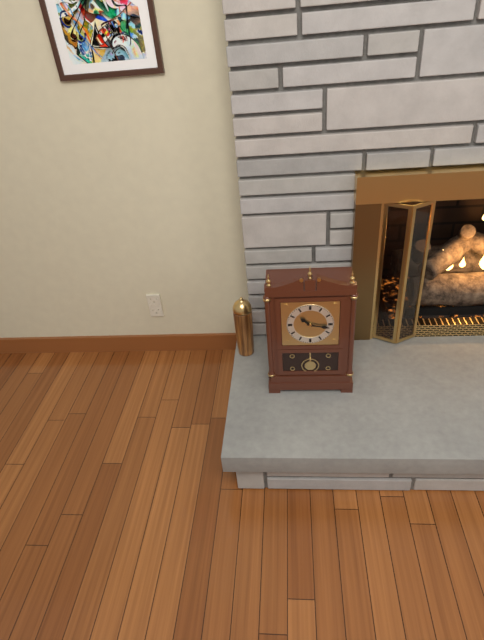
10:17
